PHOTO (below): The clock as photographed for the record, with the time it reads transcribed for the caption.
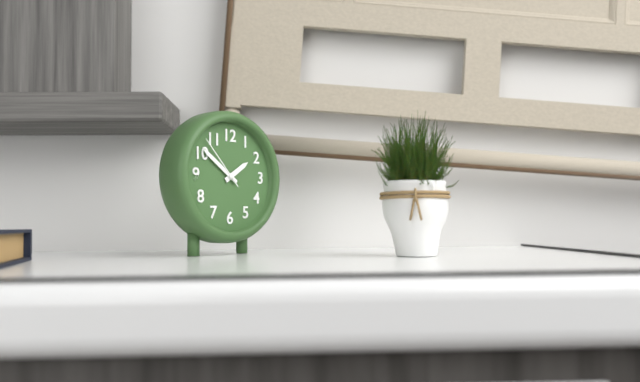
1:51:53
